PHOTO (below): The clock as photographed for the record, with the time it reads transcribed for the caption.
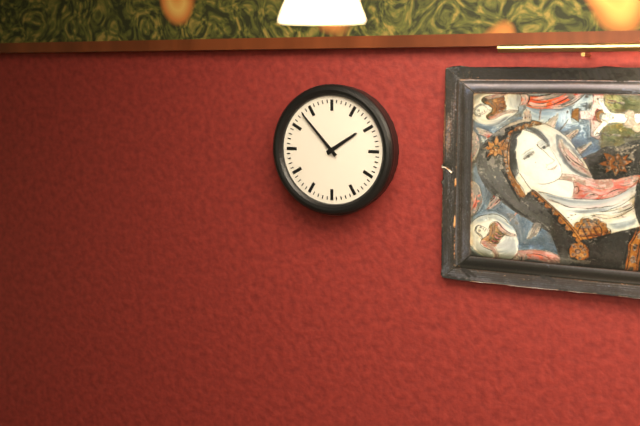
1:53
